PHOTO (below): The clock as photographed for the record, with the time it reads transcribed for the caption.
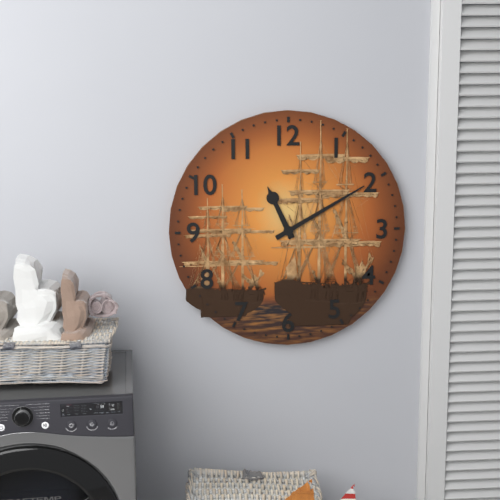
11:10
